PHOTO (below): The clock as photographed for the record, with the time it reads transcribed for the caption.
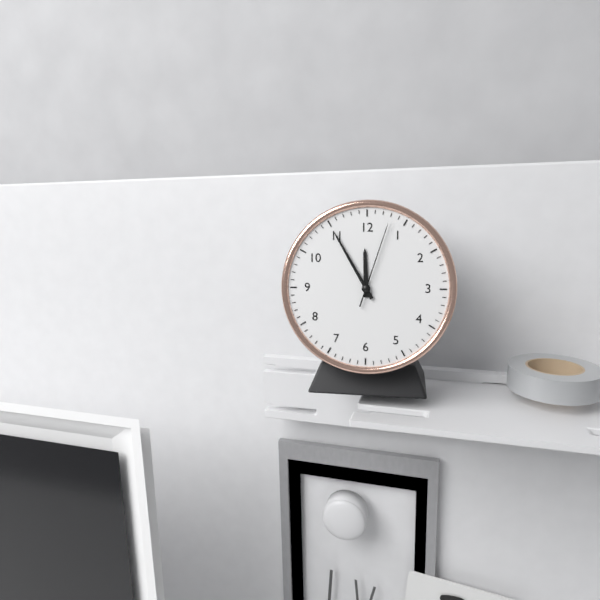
11:55:03
